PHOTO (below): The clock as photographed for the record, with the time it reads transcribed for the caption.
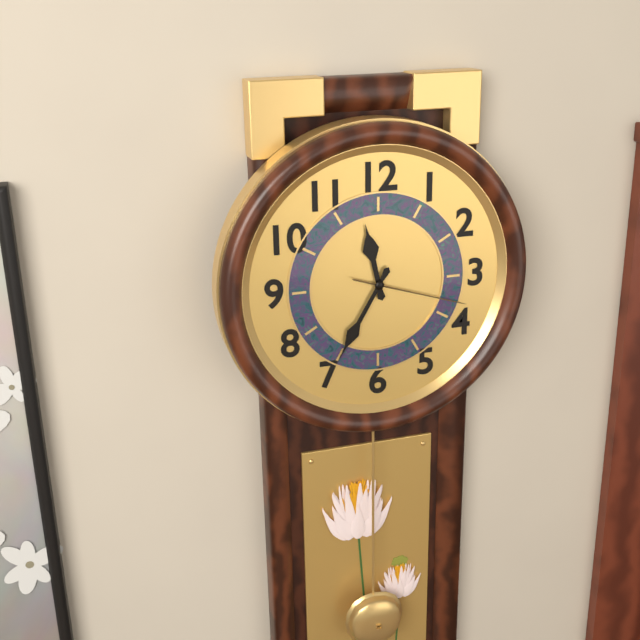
11:35:18
